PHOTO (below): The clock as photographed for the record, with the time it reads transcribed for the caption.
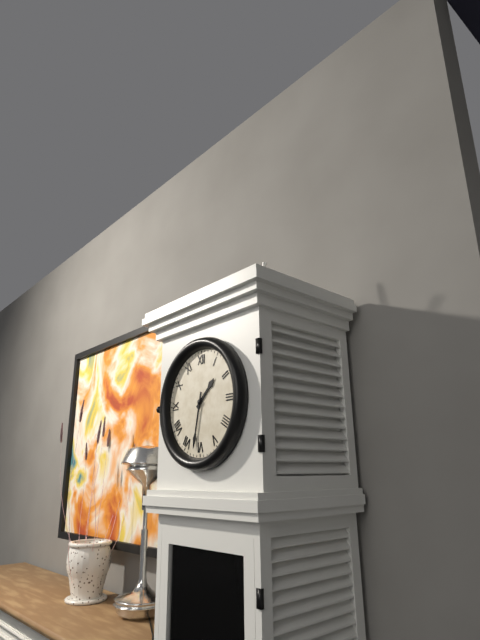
1:32
